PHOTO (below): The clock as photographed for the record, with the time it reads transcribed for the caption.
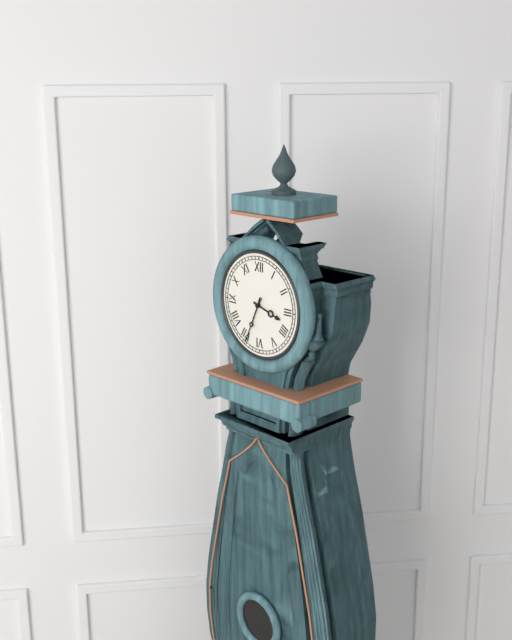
3:34
